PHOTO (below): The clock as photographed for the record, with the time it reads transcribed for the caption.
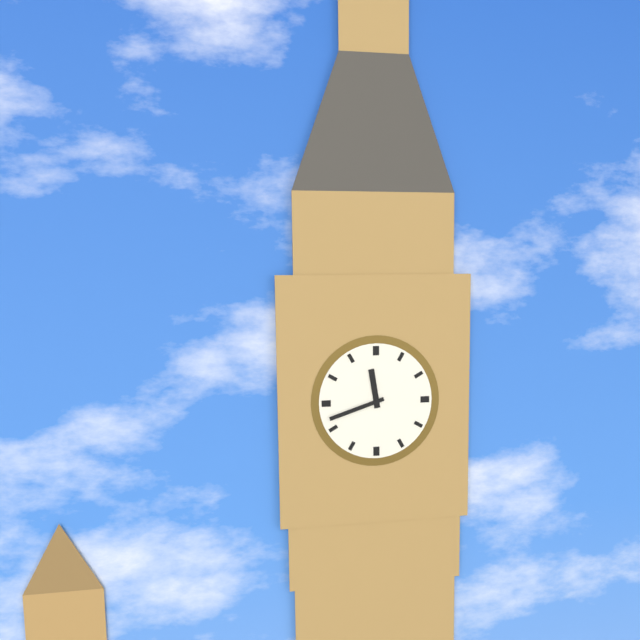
11:42
